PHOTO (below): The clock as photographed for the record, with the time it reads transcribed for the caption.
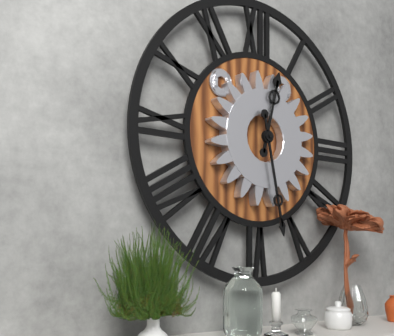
12:28
